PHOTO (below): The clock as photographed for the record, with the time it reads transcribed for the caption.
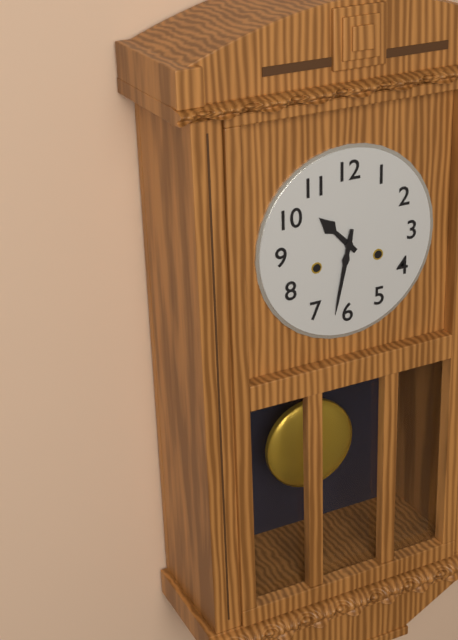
10:32
